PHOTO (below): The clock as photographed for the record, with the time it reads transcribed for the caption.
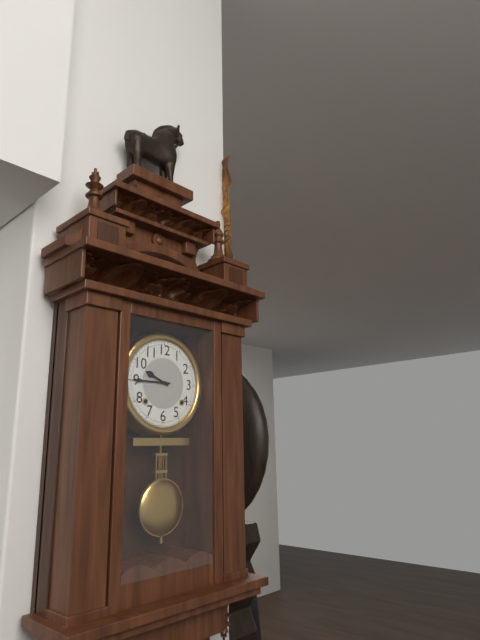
9:45
